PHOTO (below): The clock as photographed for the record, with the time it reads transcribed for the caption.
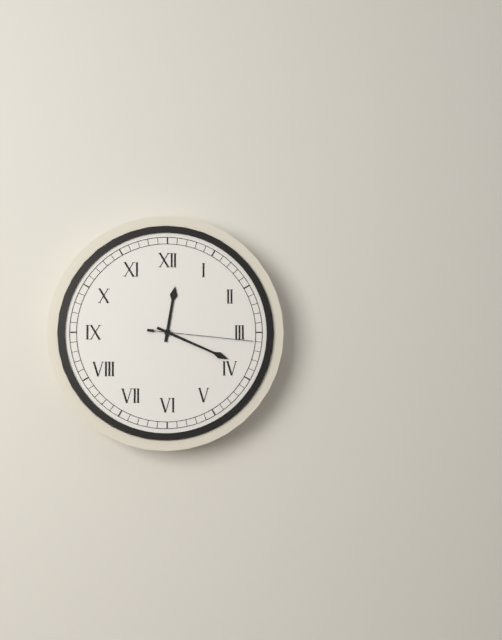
12:19:16
